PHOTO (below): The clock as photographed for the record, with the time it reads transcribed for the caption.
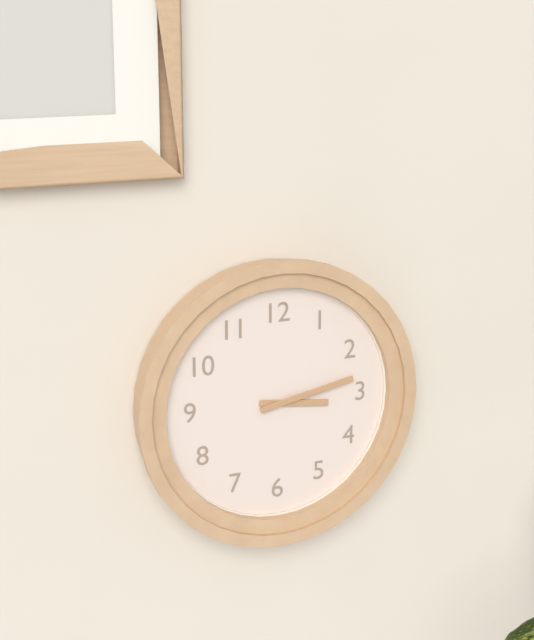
3:13
